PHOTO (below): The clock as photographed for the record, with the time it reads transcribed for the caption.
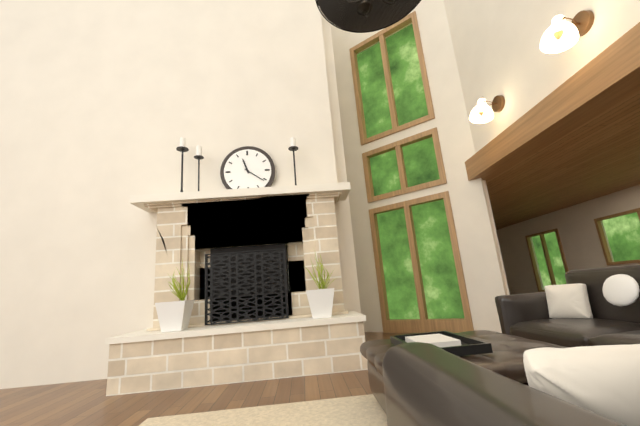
11:21
